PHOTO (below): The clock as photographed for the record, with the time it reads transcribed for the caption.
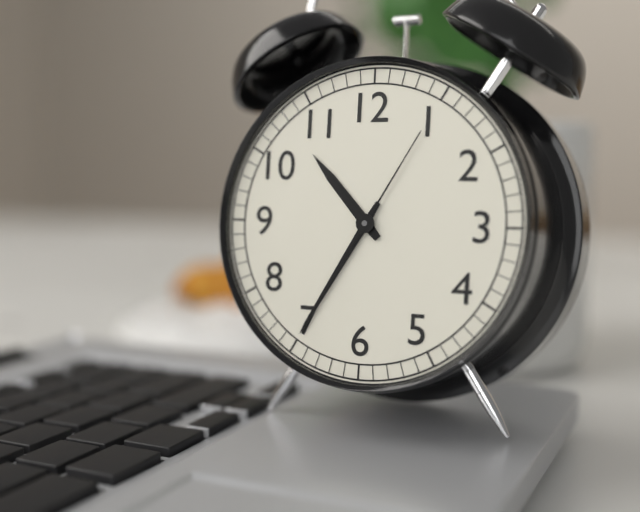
10:35:05
